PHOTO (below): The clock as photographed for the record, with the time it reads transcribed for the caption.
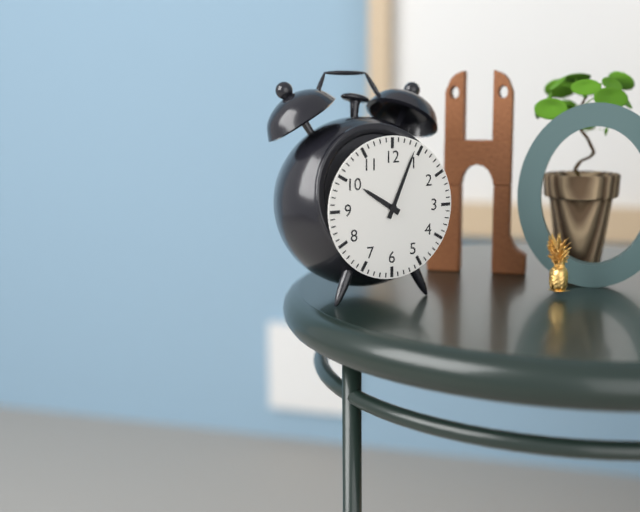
10:04
